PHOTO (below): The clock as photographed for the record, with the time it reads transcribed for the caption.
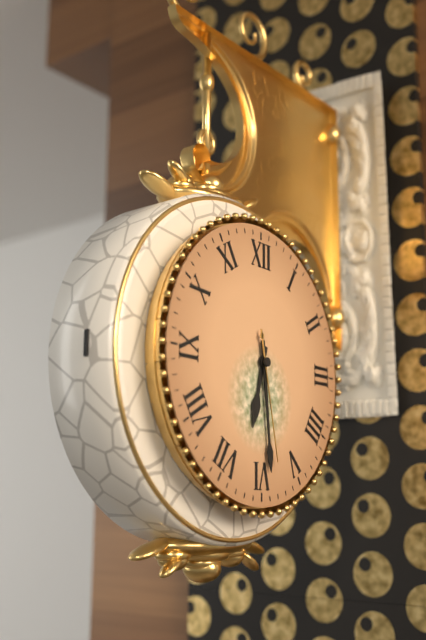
6:29:28
